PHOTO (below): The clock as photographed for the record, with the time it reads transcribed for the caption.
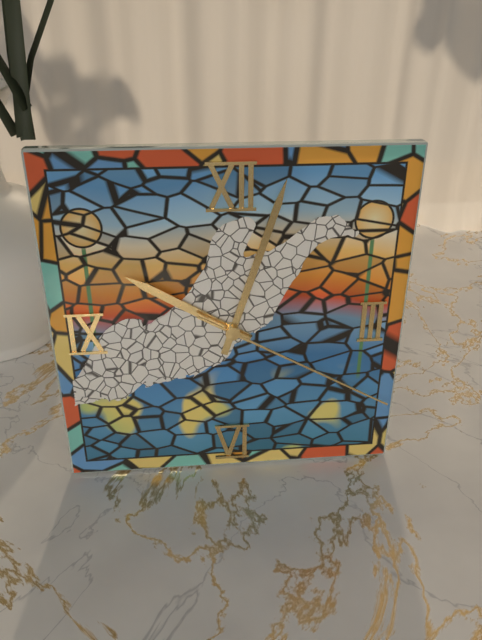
10:03:20
